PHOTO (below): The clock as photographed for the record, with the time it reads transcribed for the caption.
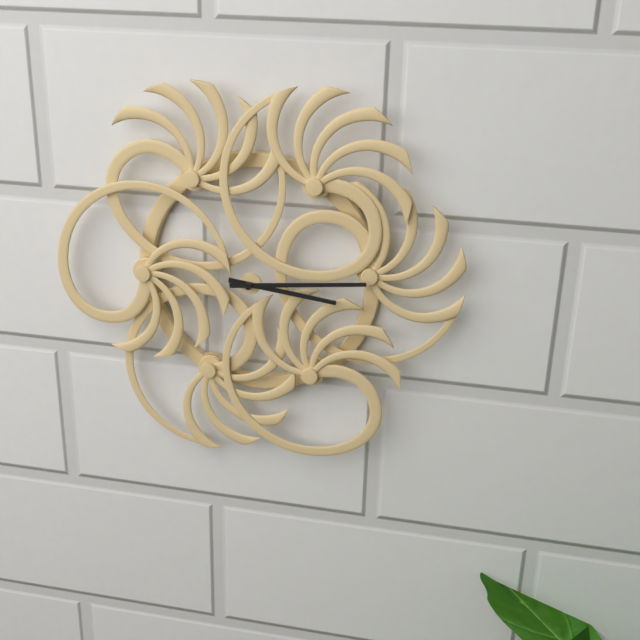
3:14
